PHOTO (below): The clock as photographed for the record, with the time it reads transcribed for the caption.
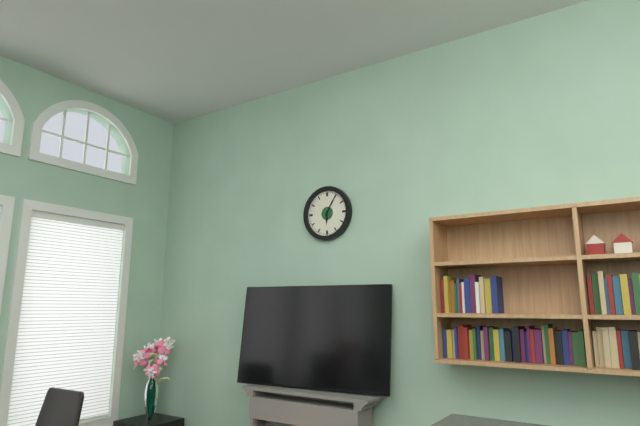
6:05
